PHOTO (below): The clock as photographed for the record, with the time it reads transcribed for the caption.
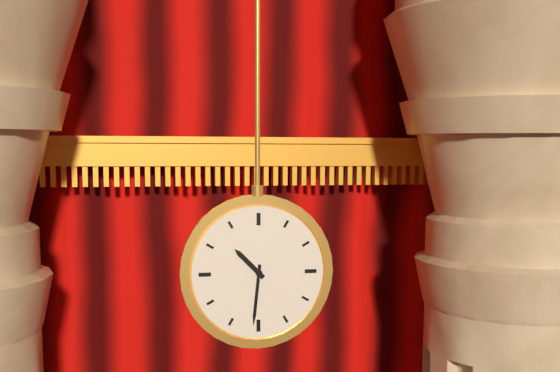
10:31
